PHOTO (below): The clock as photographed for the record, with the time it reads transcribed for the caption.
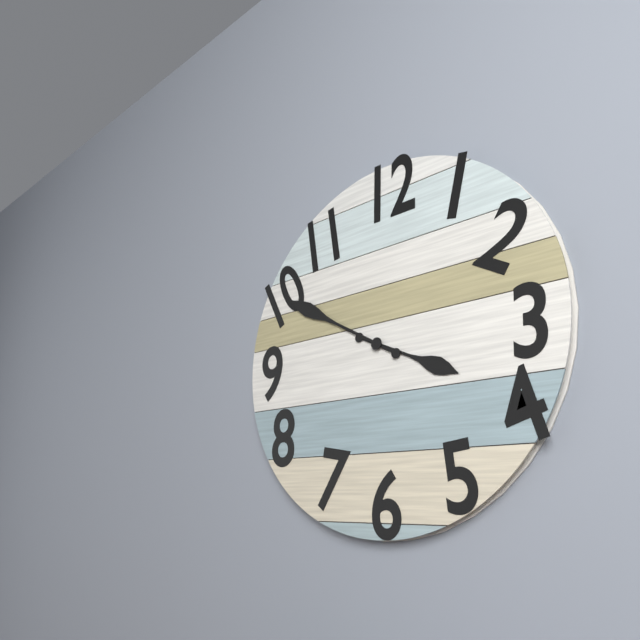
3:50
